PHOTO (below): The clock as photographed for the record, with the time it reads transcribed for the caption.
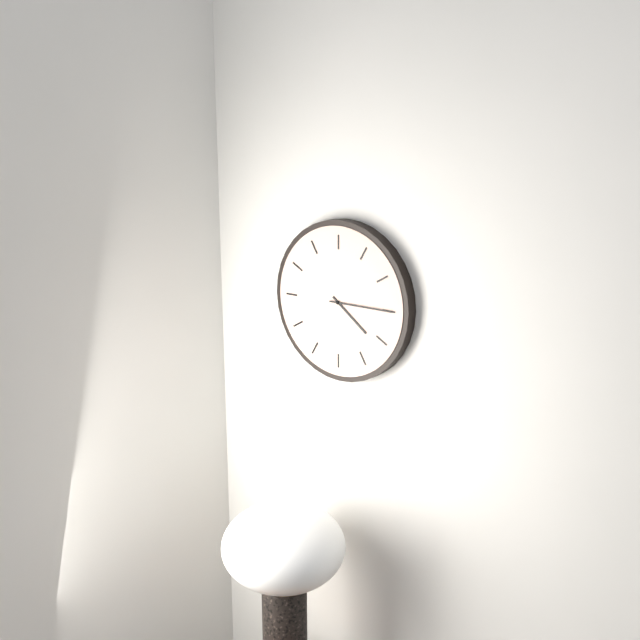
4:15
